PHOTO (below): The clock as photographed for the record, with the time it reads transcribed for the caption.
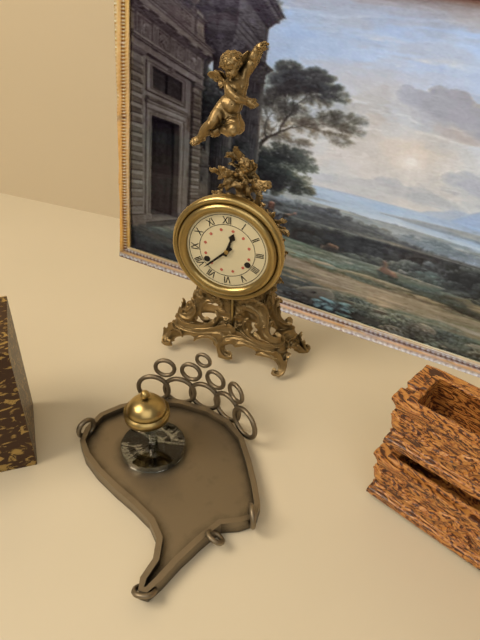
12:38
